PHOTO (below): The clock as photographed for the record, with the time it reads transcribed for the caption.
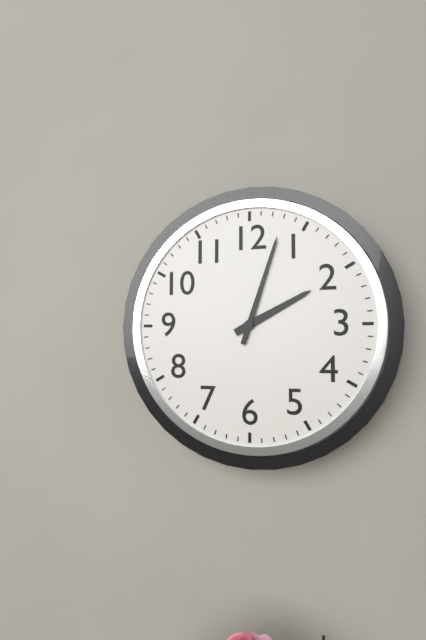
2:03
